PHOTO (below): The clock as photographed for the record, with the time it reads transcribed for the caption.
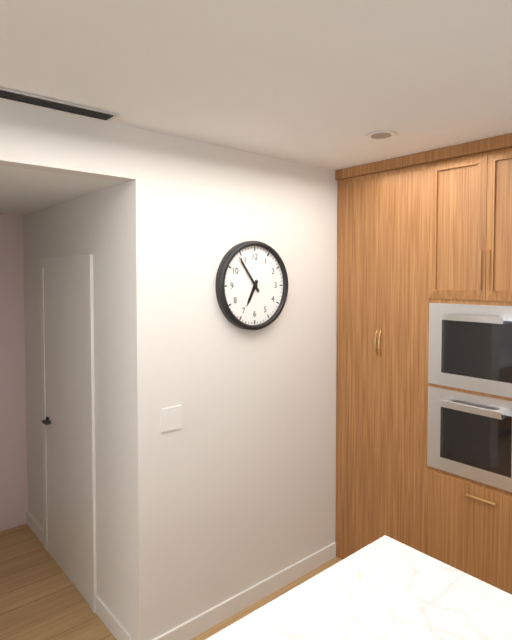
6:54
